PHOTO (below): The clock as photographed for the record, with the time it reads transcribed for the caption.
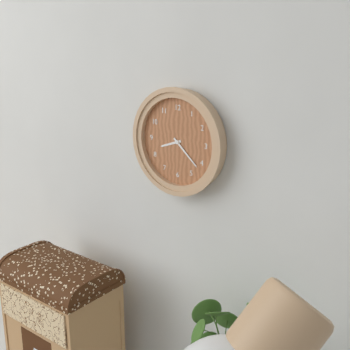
8:22
